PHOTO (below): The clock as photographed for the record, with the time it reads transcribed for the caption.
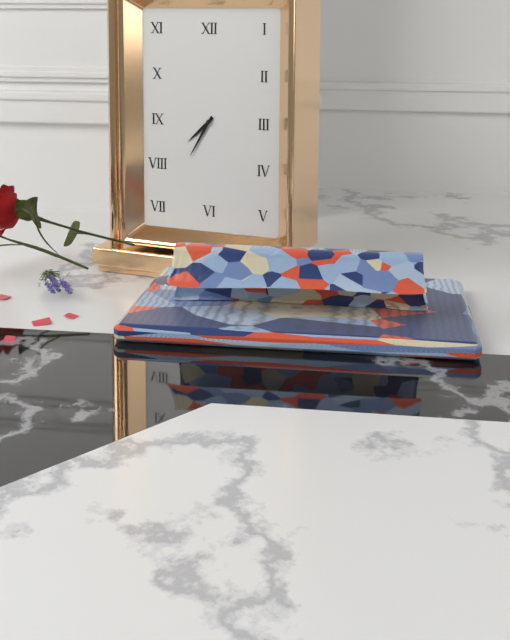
7:35
